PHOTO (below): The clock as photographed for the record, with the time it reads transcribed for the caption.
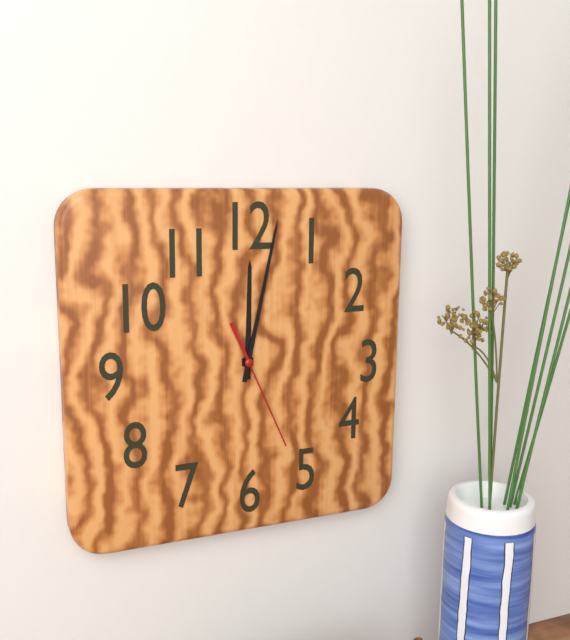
12:02:26
